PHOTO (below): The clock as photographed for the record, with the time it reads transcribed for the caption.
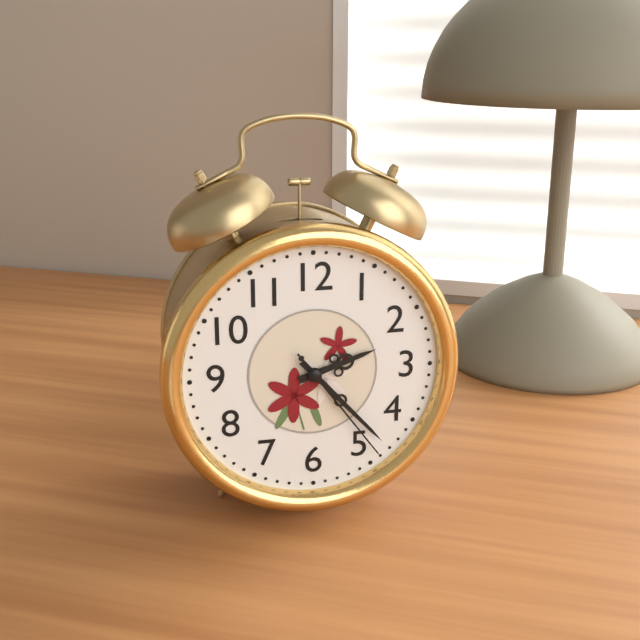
2:23:24
